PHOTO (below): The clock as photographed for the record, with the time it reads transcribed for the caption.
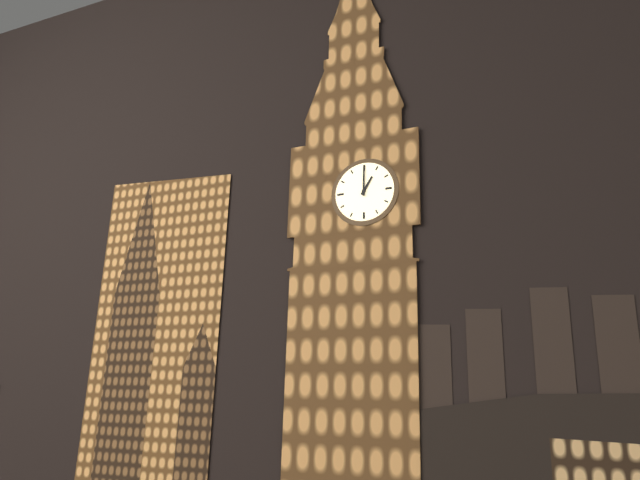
1:00
